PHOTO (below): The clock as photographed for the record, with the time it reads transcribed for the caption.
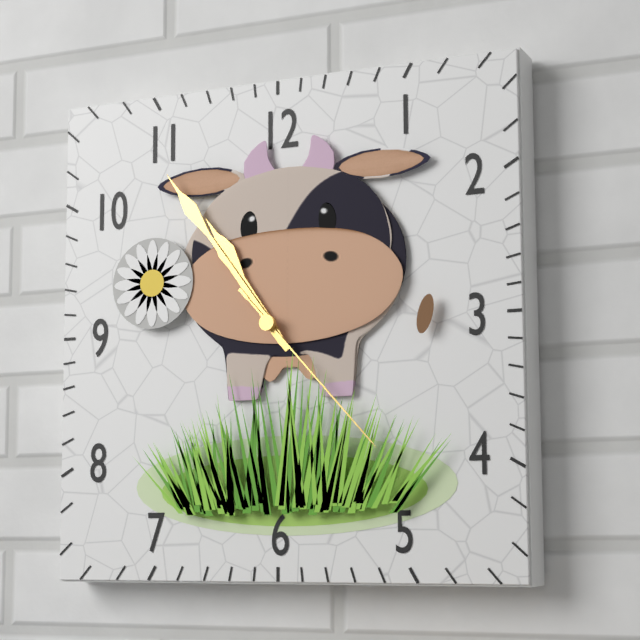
10:54:23
